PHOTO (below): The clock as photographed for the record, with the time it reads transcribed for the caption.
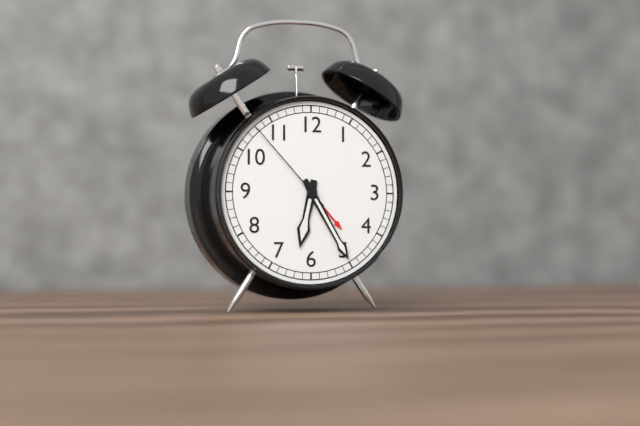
6:25:53
